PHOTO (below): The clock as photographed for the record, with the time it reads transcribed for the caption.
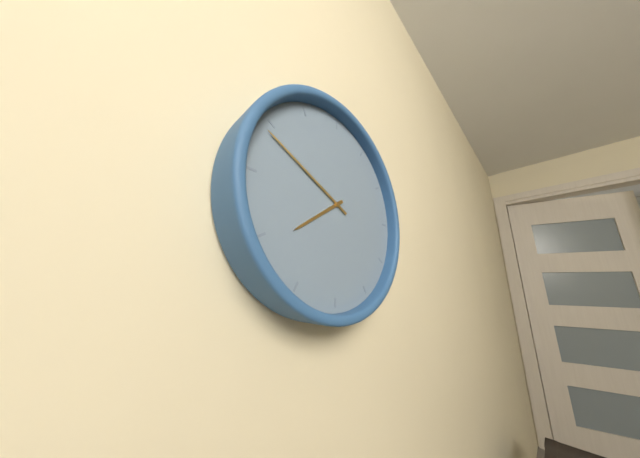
7:49
